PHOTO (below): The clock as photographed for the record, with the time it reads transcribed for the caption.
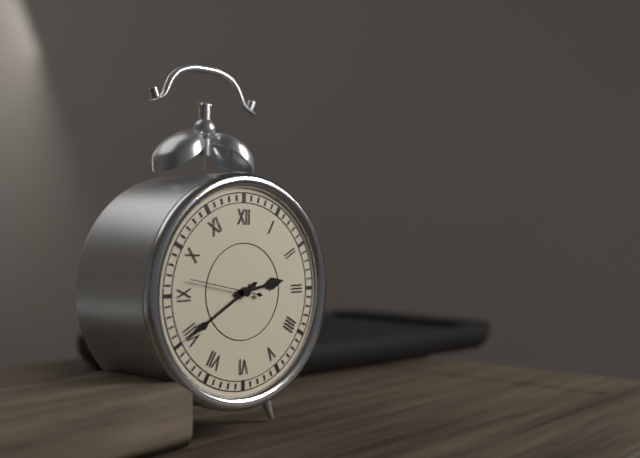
2:40:47
